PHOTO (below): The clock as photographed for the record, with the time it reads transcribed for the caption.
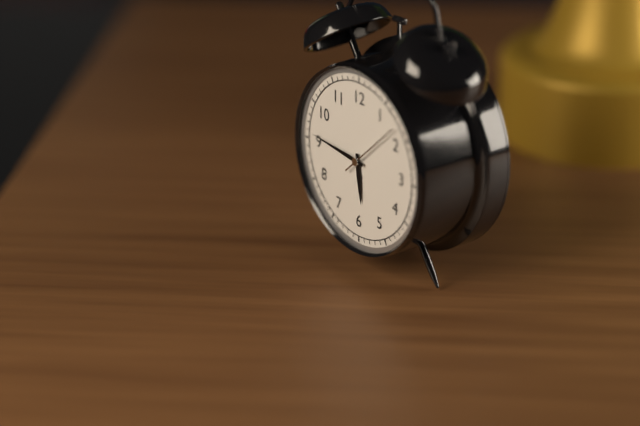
5:46:08
